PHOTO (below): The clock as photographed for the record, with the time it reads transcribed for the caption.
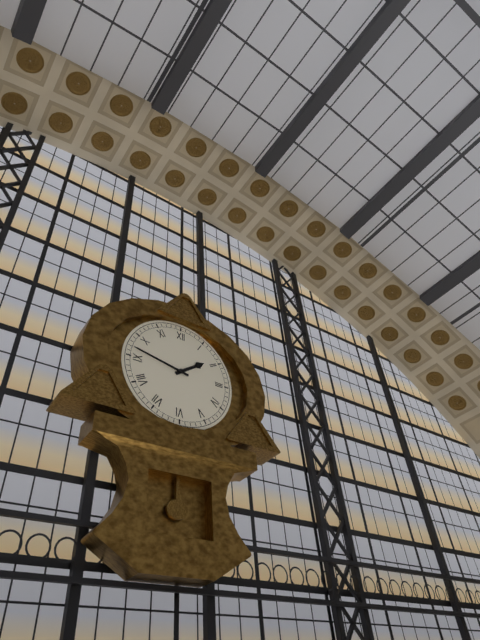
1:47
